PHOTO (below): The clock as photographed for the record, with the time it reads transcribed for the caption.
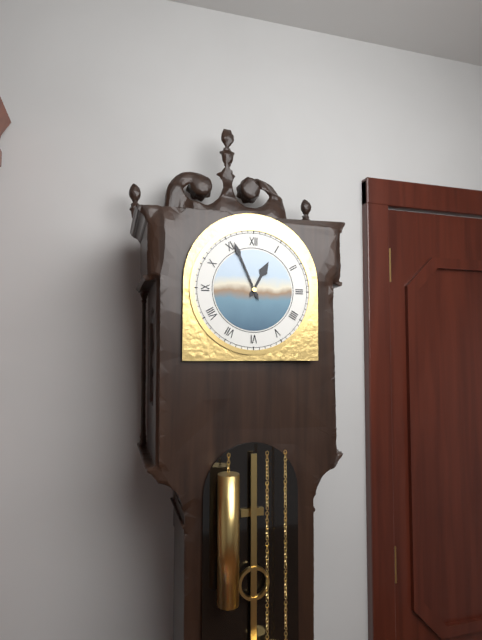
12:56
